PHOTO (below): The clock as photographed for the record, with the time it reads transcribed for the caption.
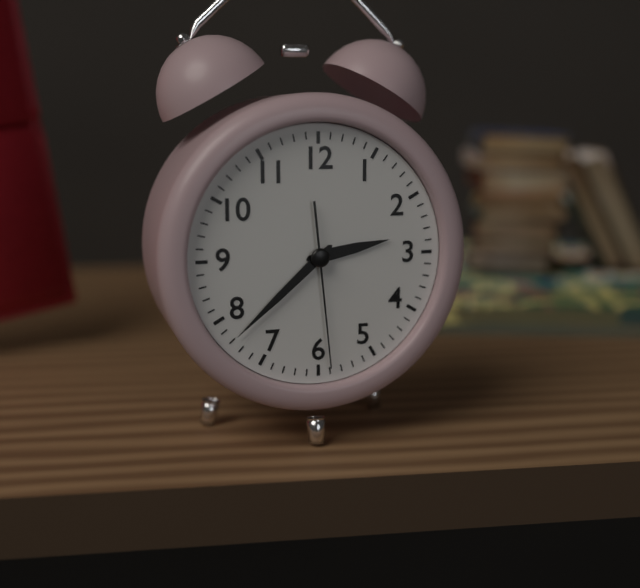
2:38:29
